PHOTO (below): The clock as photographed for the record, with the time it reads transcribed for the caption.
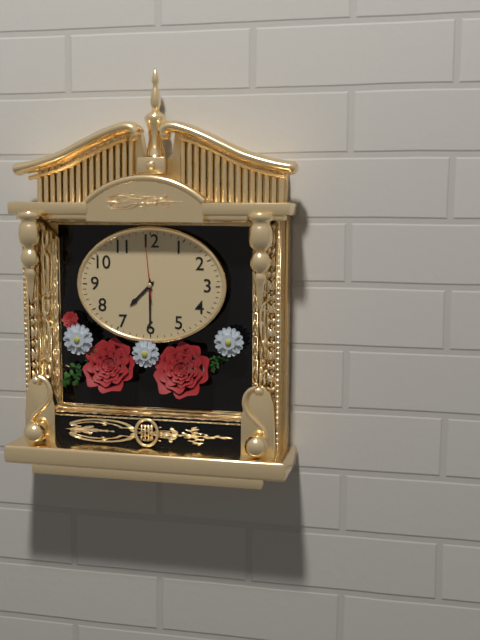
7:30:59
